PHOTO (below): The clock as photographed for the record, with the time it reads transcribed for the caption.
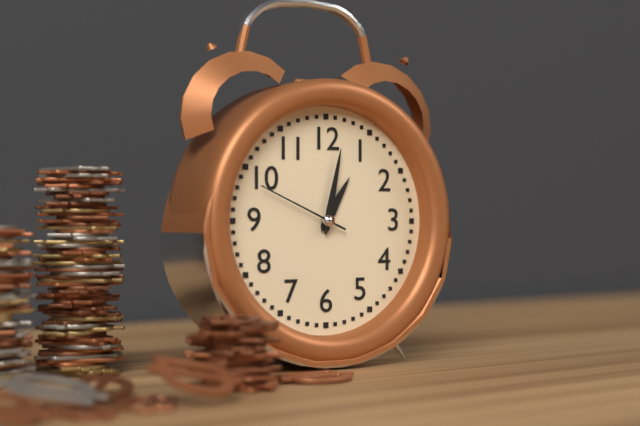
1:02:49
